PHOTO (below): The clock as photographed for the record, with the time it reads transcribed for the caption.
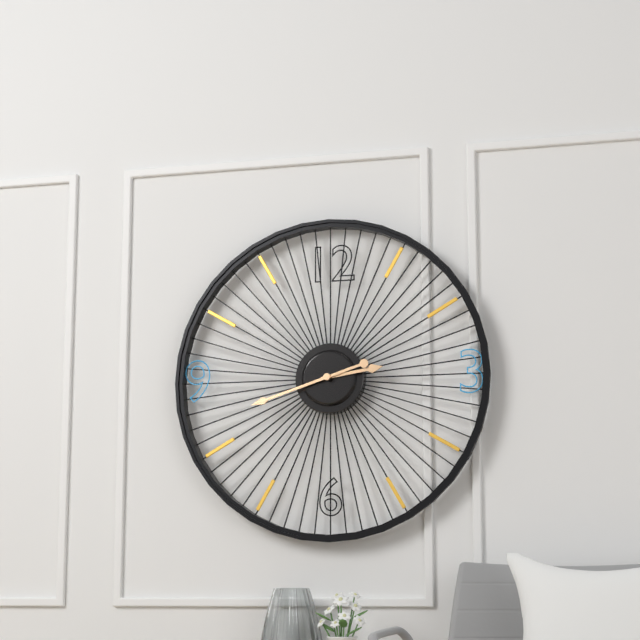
2:42
